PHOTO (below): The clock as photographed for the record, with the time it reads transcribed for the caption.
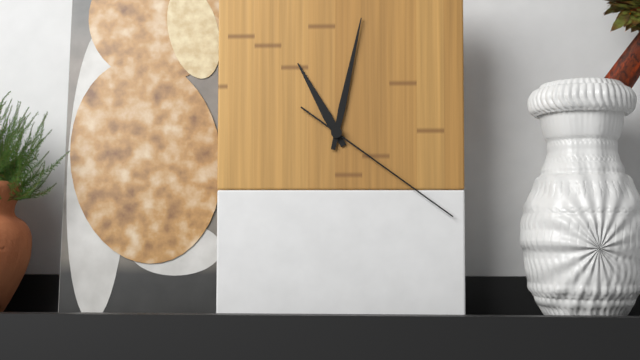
11:02:21
